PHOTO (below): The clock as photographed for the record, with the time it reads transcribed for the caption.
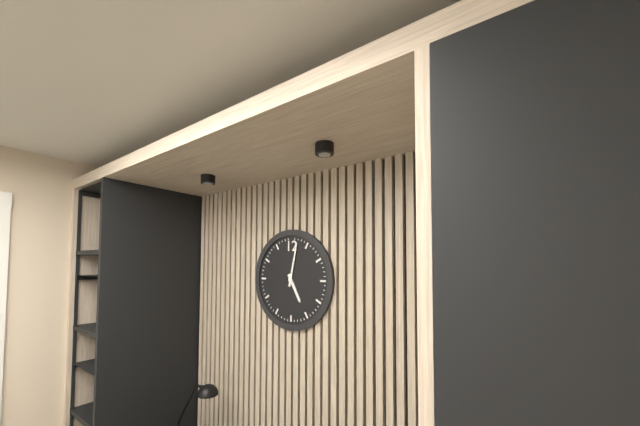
5:02
